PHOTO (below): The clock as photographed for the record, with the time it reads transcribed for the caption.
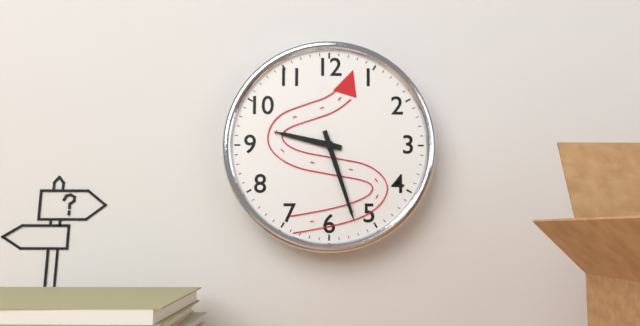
9:27
